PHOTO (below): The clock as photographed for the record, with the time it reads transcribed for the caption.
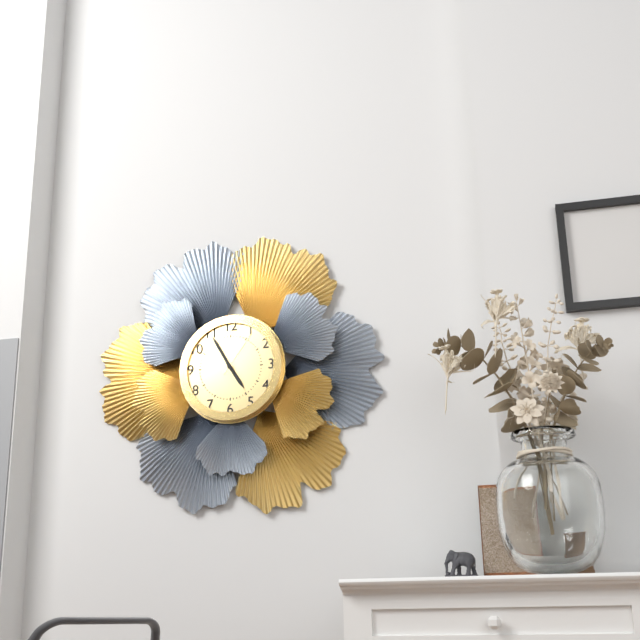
4:55:06
